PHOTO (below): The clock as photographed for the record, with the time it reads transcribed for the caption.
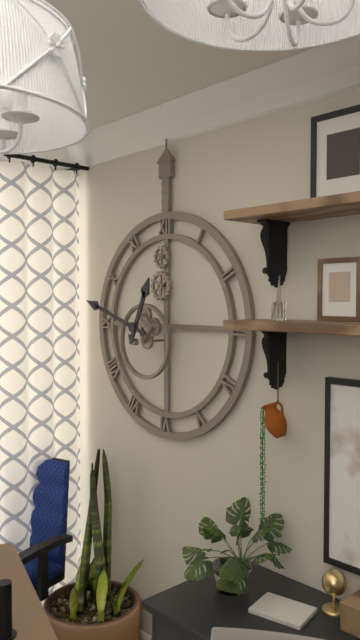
12:48
